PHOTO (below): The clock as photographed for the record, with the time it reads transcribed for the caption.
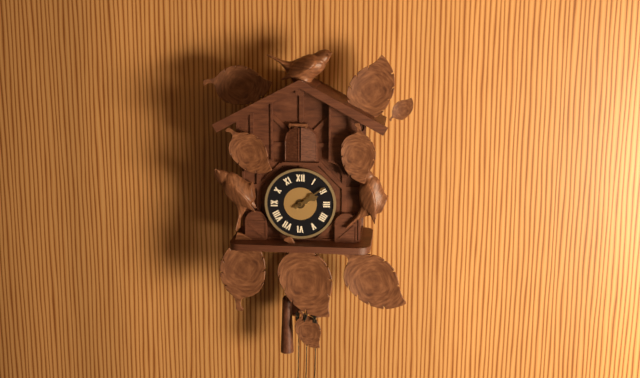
2:09
